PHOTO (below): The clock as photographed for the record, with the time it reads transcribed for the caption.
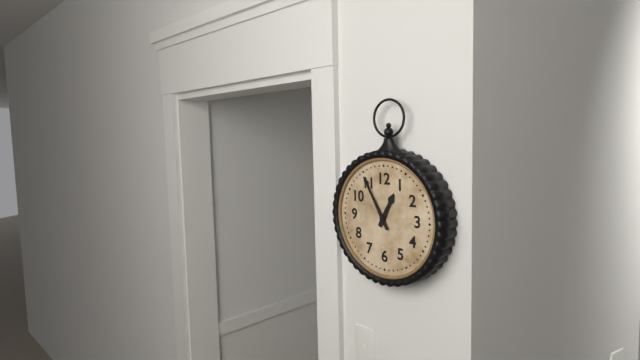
12:55
